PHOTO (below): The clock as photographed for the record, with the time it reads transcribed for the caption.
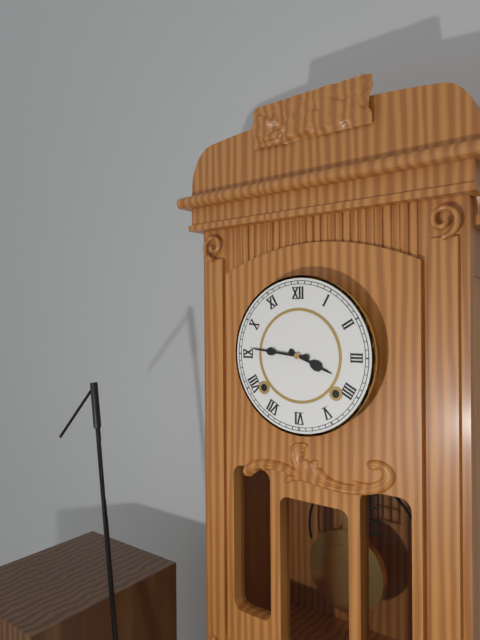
3:46
